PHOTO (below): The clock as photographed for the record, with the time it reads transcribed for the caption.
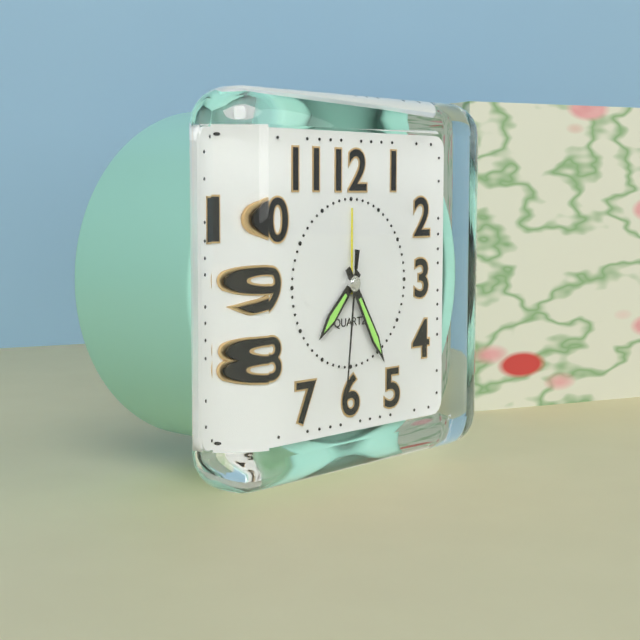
7:25:31
